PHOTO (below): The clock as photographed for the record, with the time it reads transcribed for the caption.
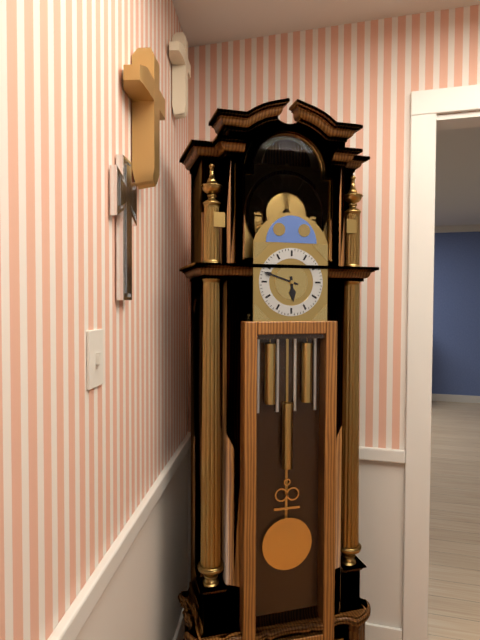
5:48
